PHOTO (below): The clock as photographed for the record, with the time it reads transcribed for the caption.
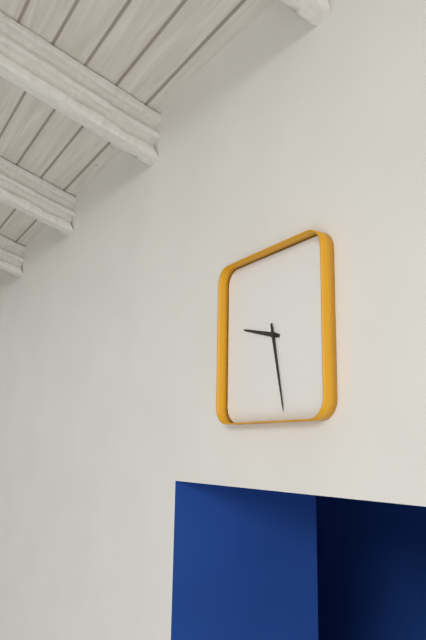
9:28
